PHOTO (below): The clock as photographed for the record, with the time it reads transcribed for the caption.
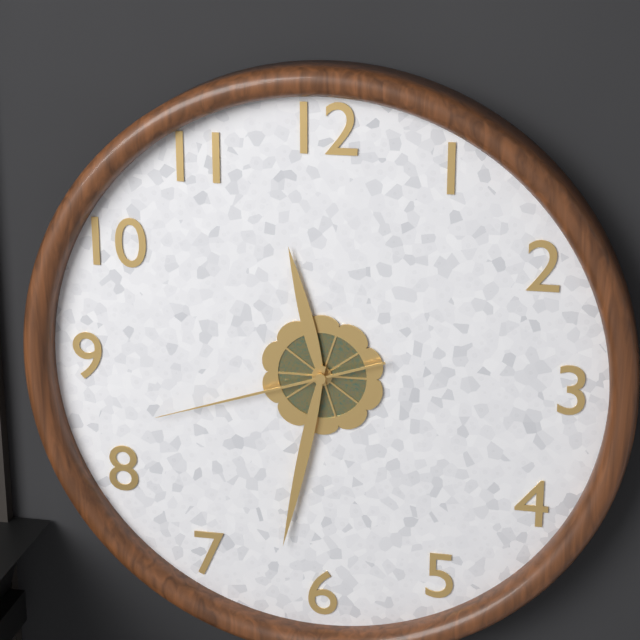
11:32:42
